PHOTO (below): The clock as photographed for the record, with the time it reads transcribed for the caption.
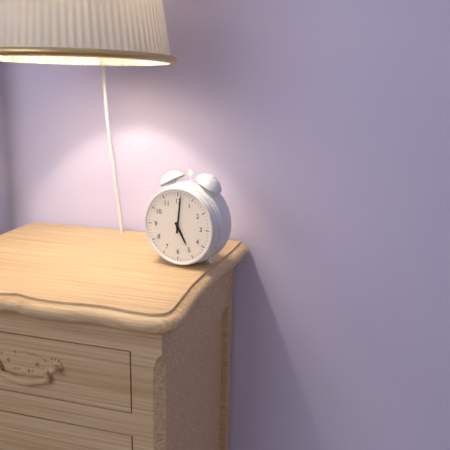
5:01
